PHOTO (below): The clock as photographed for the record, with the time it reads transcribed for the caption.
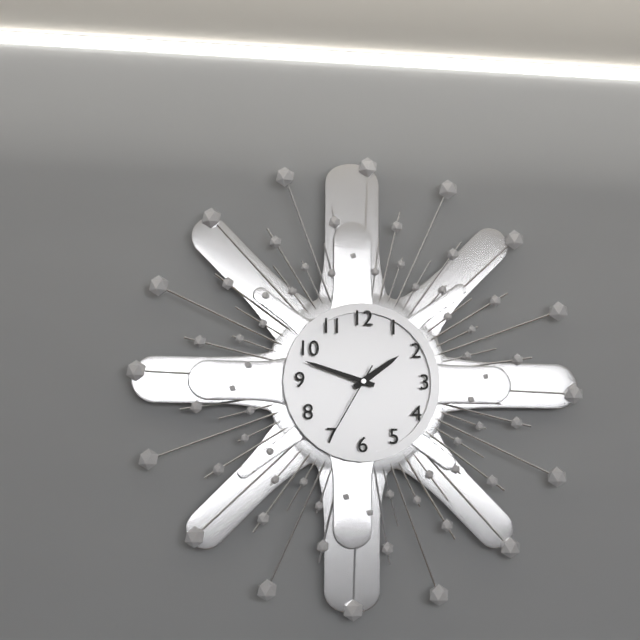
1:48:35
